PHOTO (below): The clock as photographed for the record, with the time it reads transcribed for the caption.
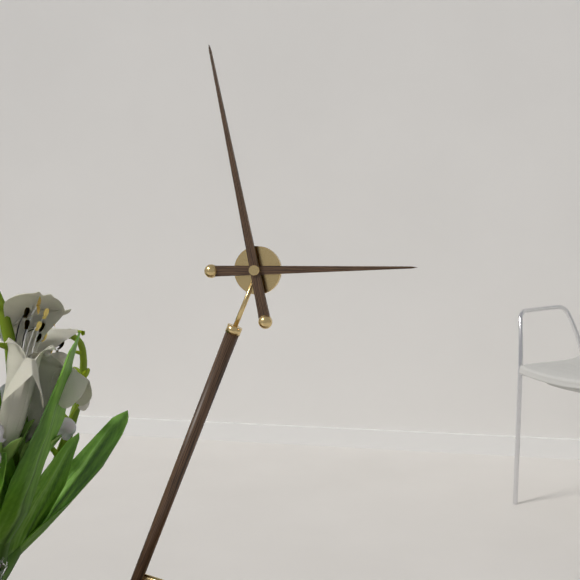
2:58
